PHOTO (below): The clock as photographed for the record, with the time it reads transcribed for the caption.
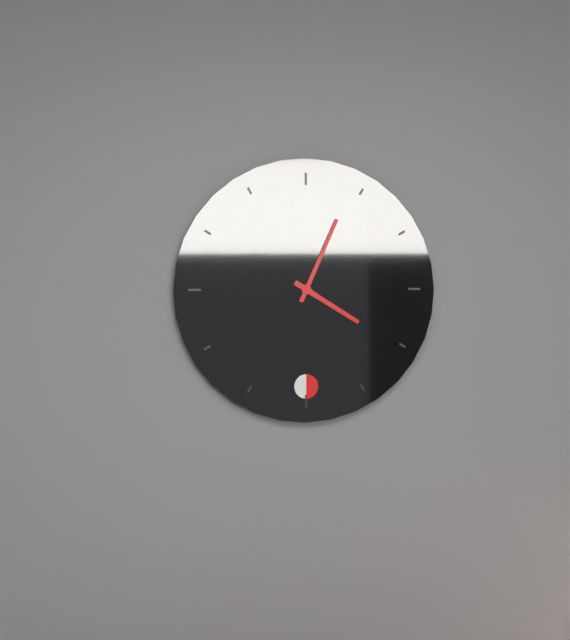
4:04
